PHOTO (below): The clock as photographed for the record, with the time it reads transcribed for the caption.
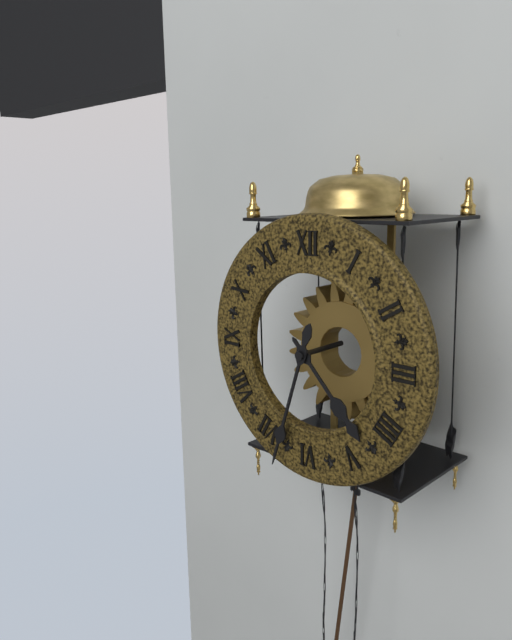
4:33
